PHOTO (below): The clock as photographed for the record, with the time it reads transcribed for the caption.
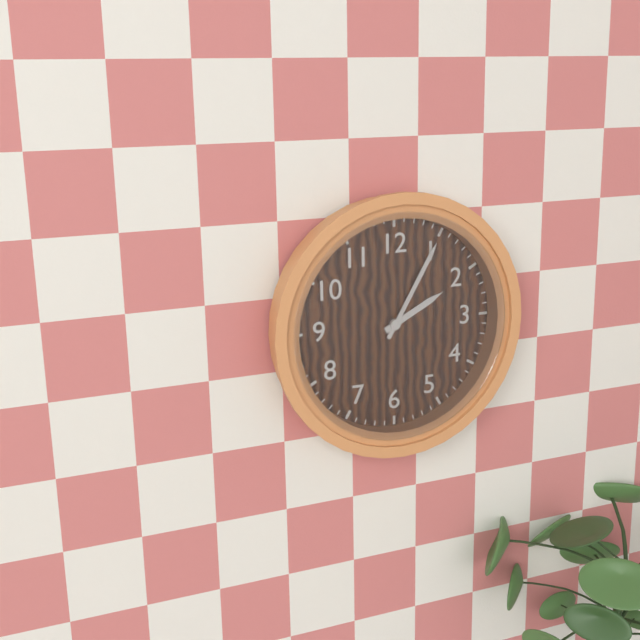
2:05
